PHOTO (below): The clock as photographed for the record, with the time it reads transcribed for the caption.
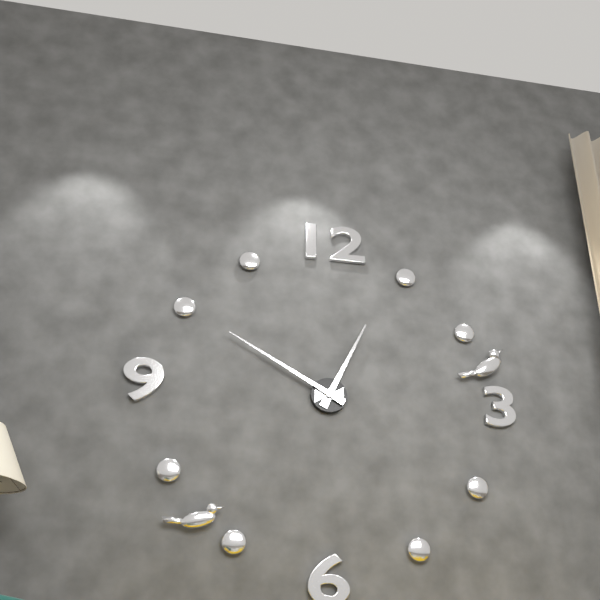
12:50
